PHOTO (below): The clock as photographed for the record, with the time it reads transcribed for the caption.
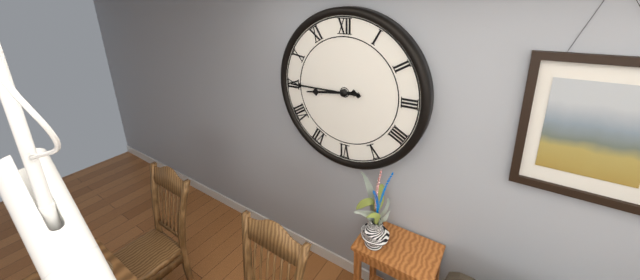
8:45
